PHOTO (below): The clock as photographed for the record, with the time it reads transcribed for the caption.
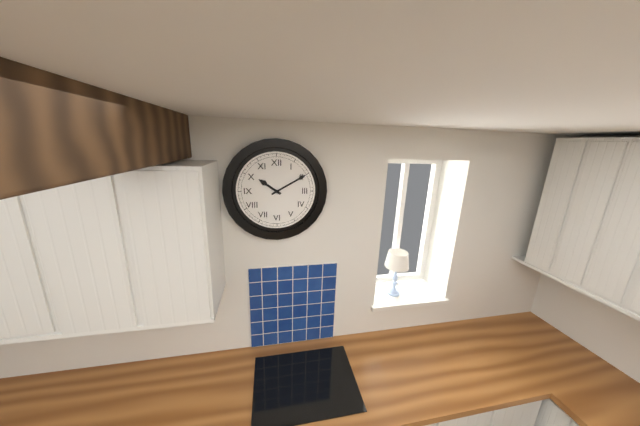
10:10
